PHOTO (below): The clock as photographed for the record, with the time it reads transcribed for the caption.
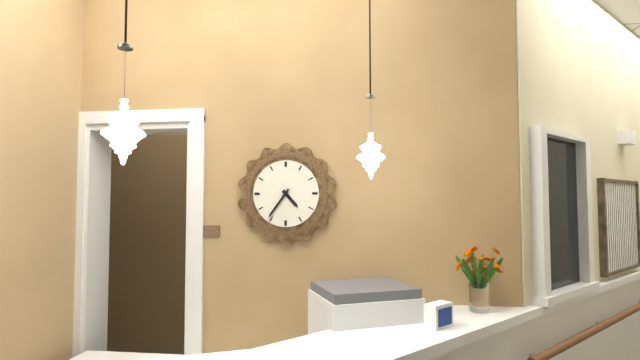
4:36
